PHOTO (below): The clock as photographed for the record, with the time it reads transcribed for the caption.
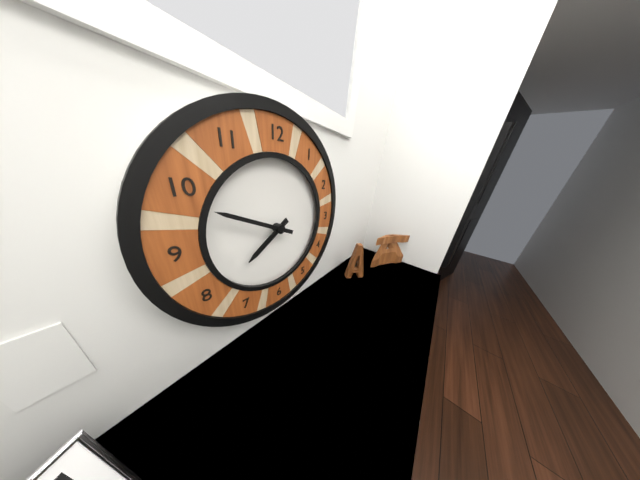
7:49
